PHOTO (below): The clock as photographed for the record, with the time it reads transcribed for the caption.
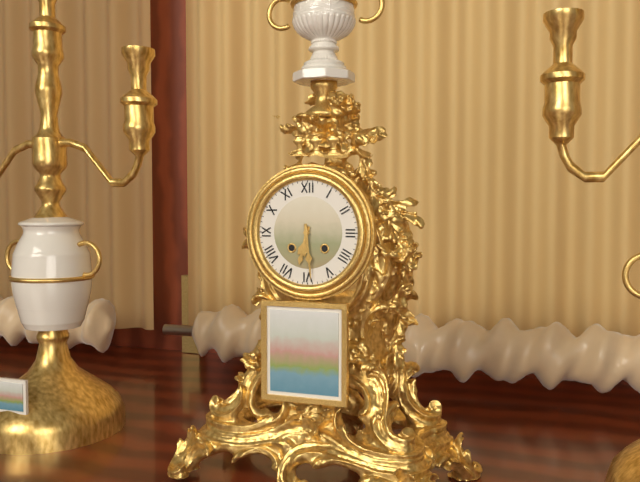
6:29
